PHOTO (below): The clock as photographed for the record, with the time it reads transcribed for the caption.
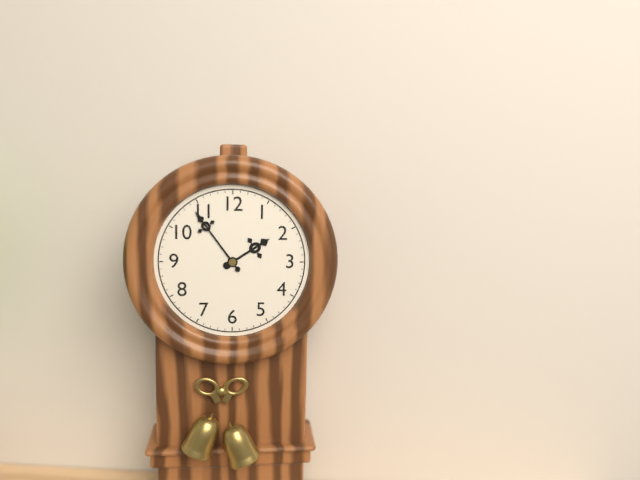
1:54
